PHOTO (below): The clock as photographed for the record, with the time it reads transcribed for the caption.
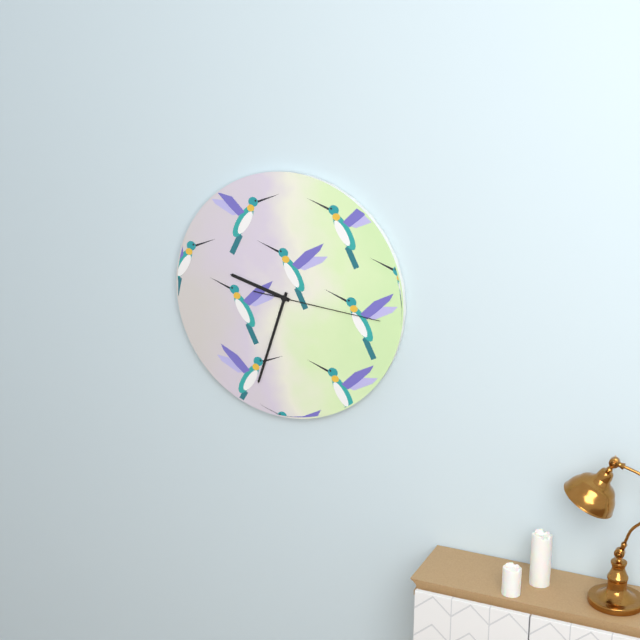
9:33:16
